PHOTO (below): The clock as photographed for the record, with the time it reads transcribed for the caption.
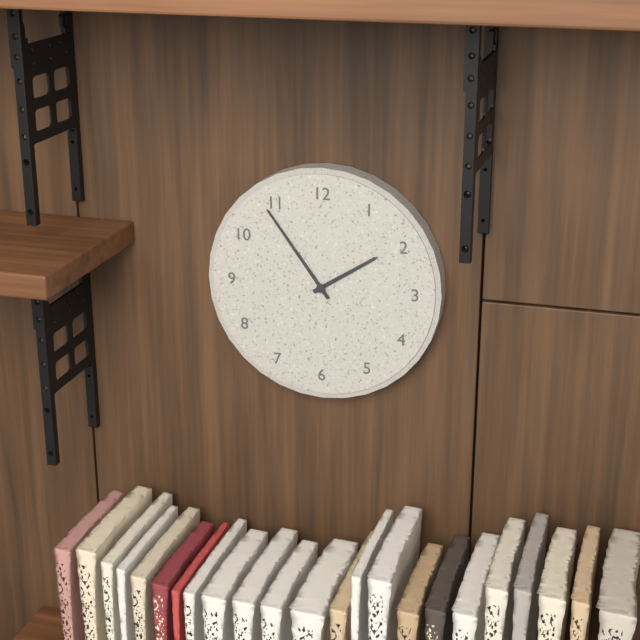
1:54
